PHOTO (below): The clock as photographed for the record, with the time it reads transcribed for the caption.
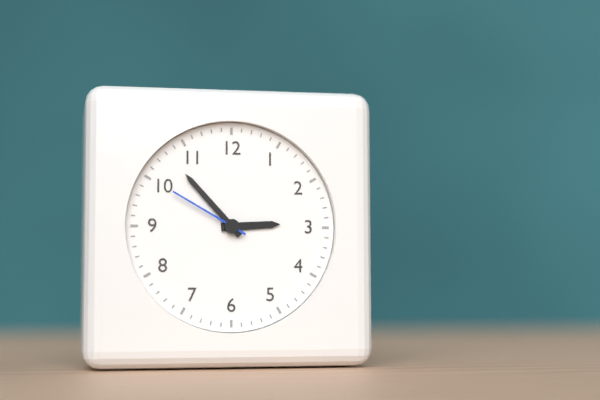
2:53:50
